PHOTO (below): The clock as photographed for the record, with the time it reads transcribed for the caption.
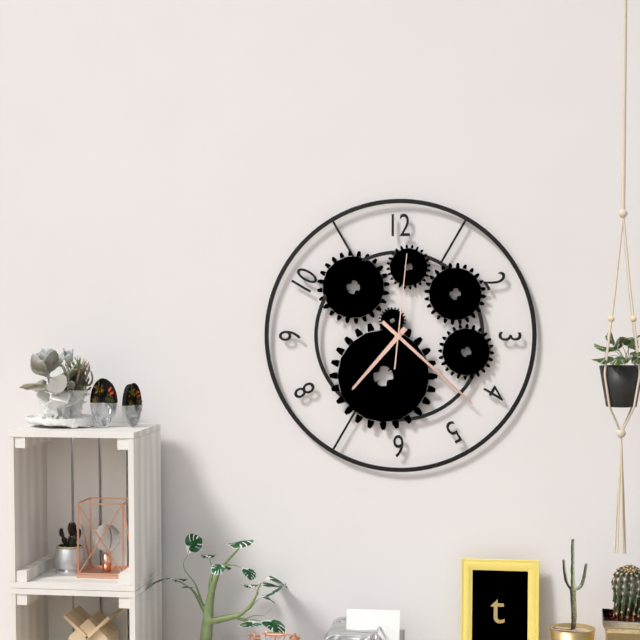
7:22:01
